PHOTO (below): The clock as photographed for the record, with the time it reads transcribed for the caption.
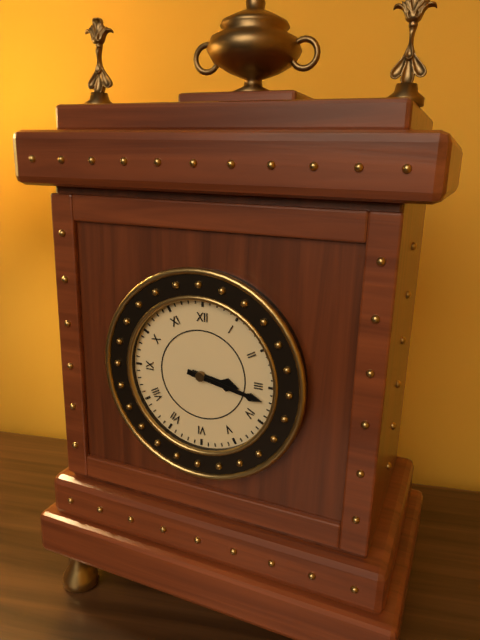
3:17
